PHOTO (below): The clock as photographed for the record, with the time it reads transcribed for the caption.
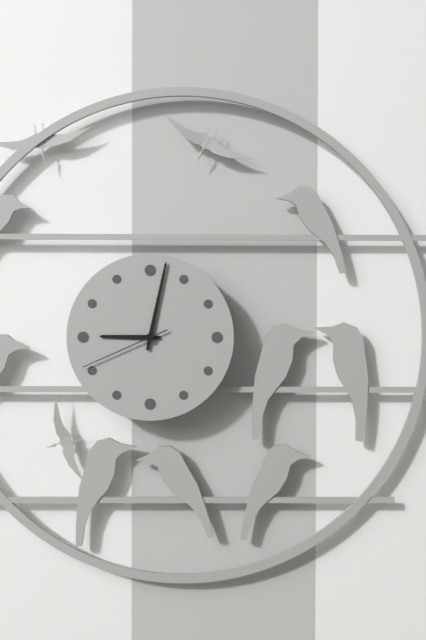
9:02:41
